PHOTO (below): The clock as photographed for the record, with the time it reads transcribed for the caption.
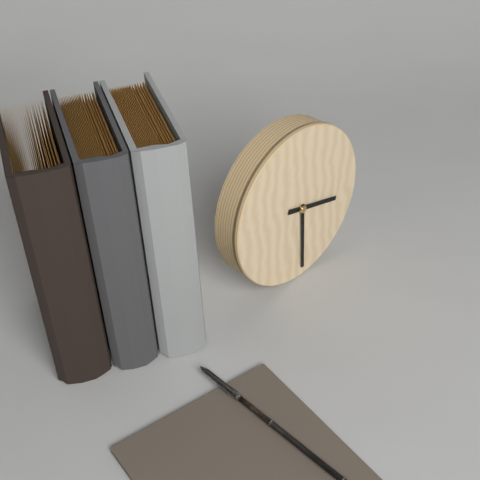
3:30
